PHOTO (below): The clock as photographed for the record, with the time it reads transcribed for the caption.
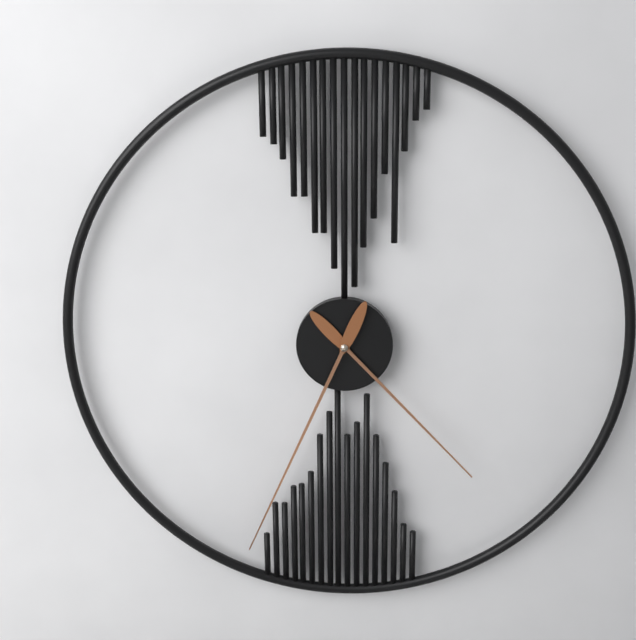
4:34
